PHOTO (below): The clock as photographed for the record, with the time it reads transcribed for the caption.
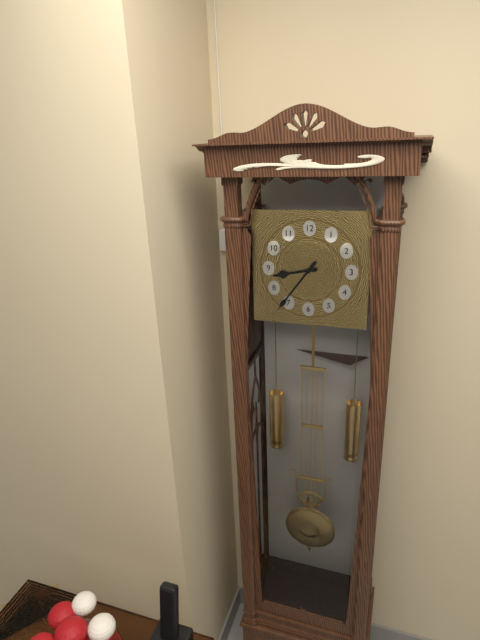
8:36
